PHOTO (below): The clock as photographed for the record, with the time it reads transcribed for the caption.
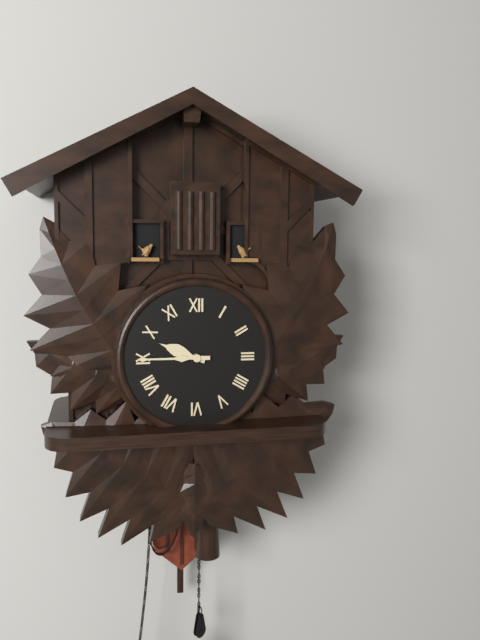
9:45
